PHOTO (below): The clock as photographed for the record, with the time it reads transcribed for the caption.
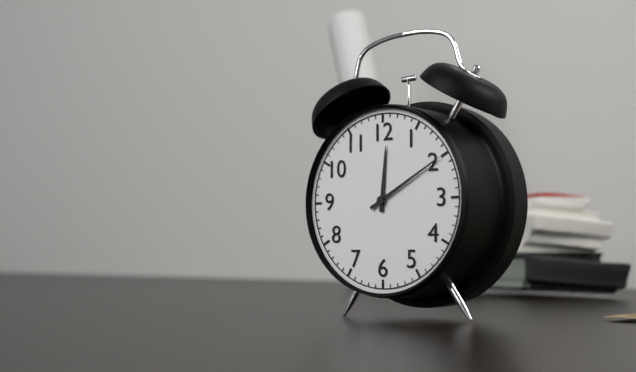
12:10
